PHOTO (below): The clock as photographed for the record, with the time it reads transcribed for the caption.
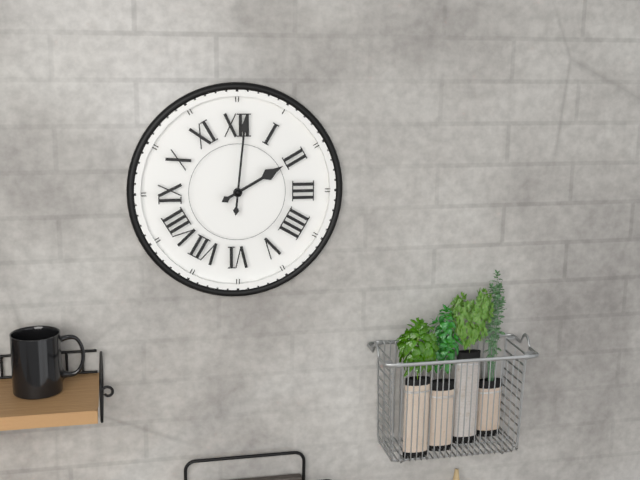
2:01
